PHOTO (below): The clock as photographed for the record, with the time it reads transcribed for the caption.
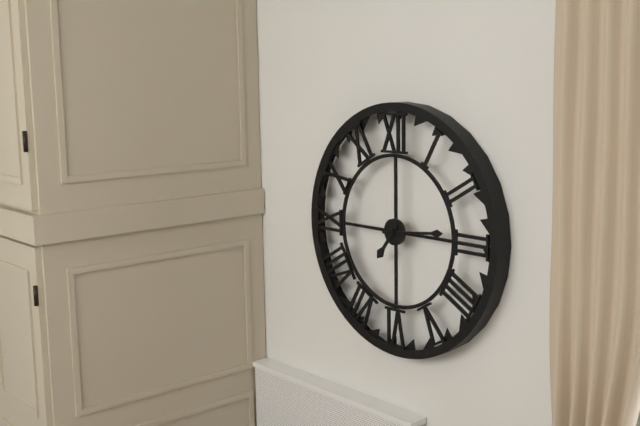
7:14
